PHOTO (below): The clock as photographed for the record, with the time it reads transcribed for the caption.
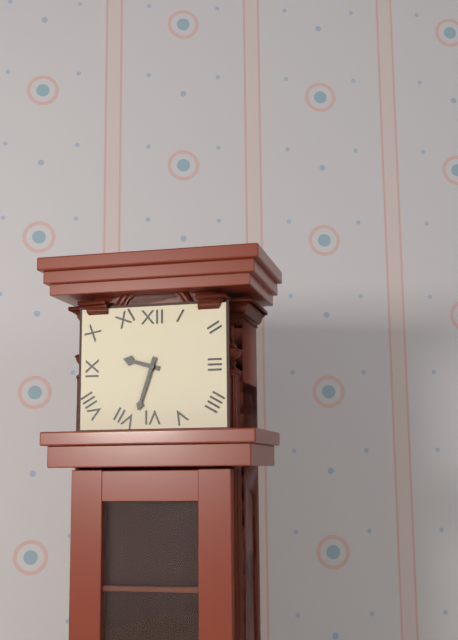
9:33
